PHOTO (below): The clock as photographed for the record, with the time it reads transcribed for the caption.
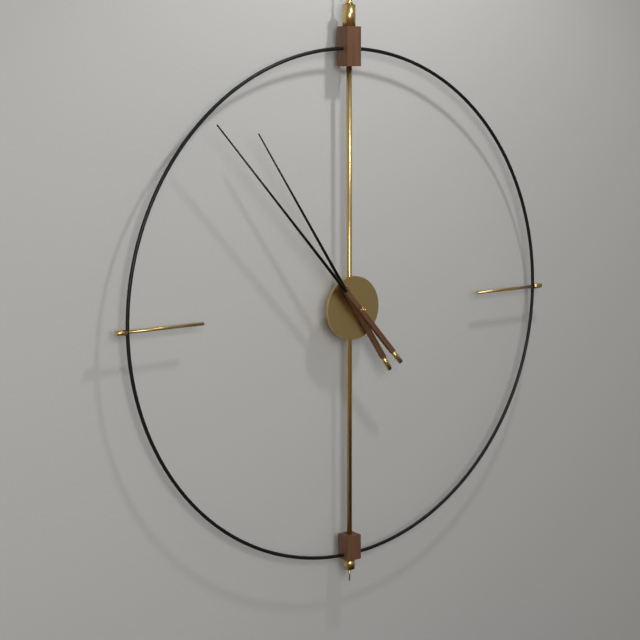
10:53
